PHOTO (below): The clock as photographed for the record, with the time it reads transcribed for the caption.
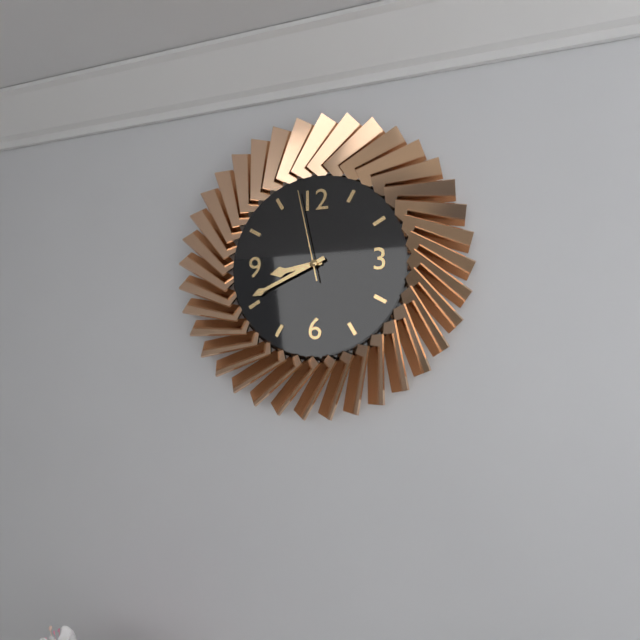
8:41:58
